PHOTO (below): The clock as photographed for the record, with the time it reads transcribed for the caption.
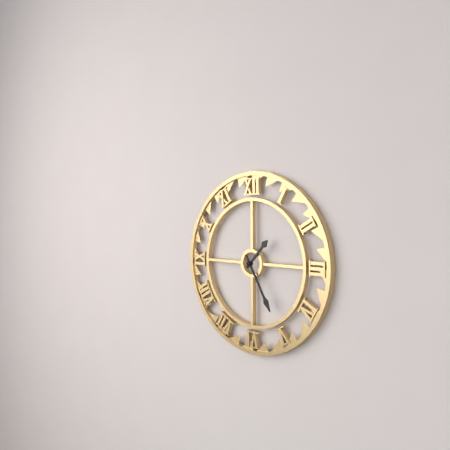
1:25
